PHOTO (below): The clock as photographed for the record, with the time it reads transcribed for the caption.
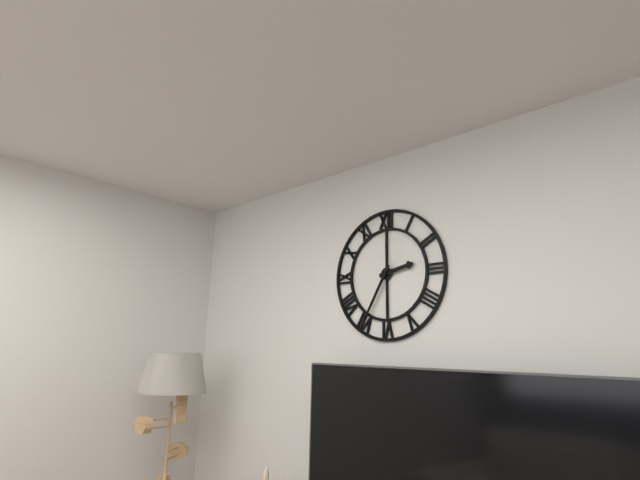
2:35
